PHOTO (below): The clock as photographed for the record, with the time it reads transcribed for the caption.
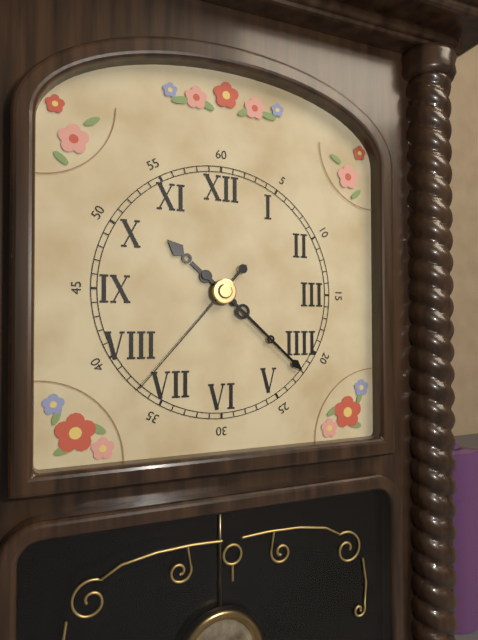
10:22:37
